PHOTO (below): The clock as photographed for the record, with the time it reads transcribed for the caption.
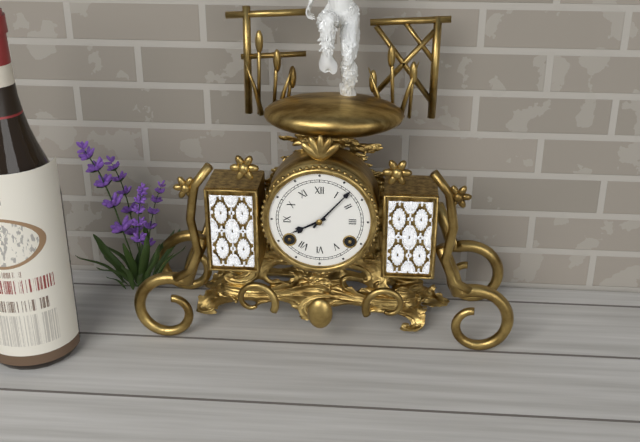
8:07
